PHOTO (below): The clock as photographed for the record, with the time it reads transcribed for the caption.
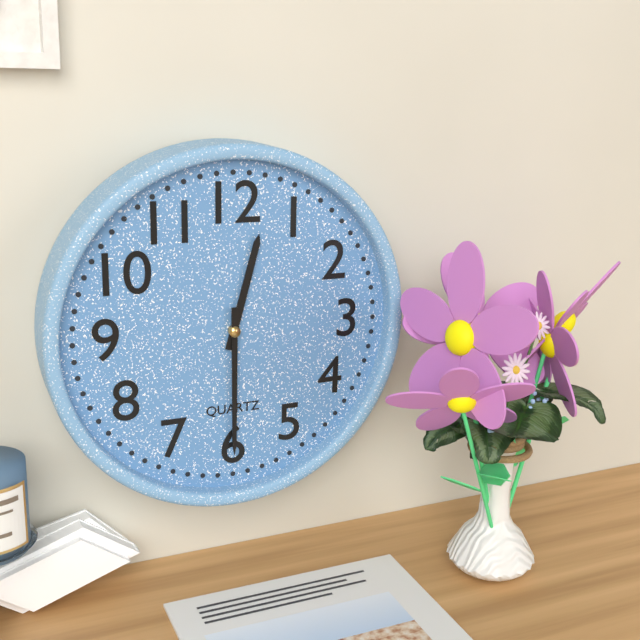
12:30
